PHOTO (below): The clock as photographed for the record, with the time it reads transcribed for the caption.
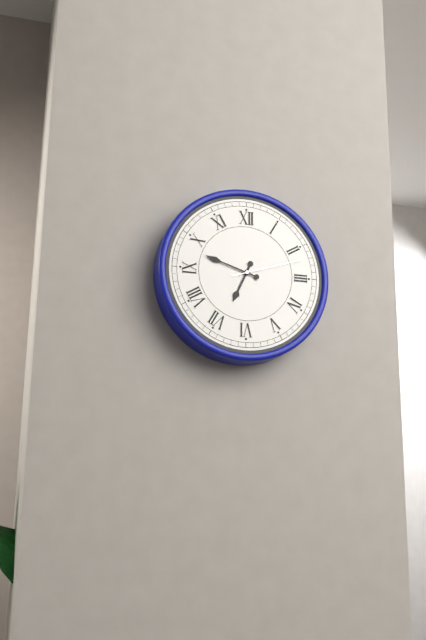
6:48:12
